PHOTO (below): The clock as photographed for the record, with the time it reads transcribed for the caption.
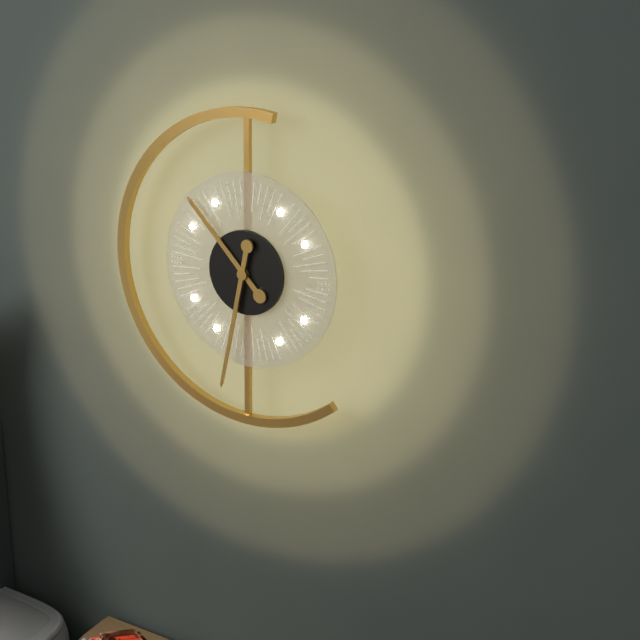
10:32
